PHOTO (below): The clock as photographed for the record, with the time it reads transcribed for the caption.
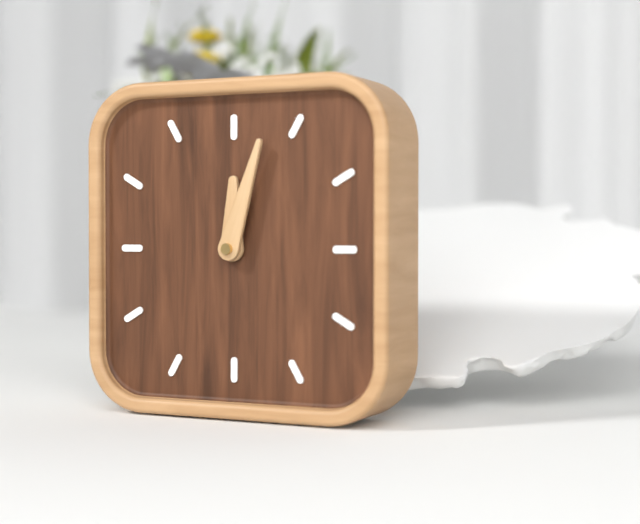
12:03
